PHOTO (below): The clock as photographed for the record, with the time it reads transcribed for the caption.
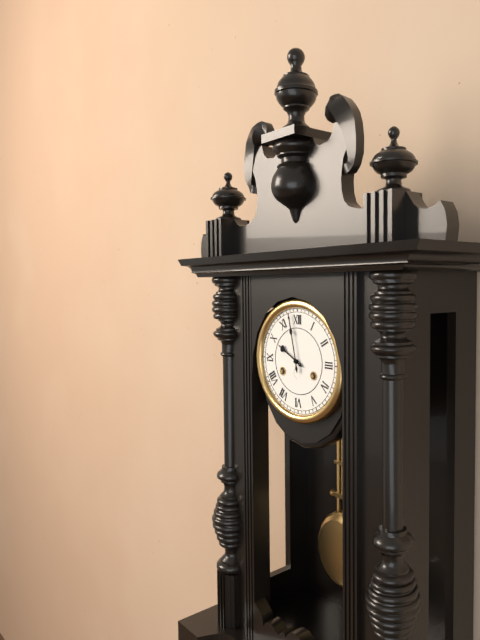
9:58
